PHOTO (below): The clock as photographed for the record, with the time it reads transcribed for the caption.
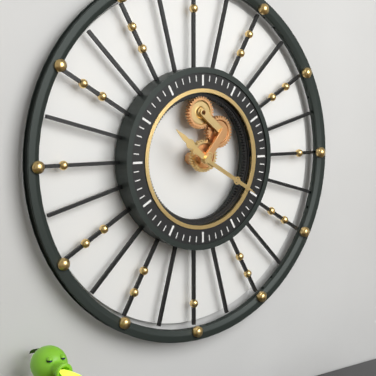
10:20
